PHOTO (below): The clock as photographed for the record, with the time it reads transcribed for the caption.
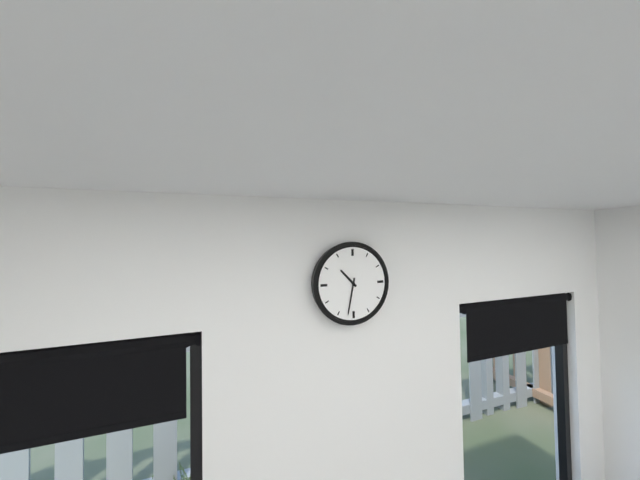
10:32
